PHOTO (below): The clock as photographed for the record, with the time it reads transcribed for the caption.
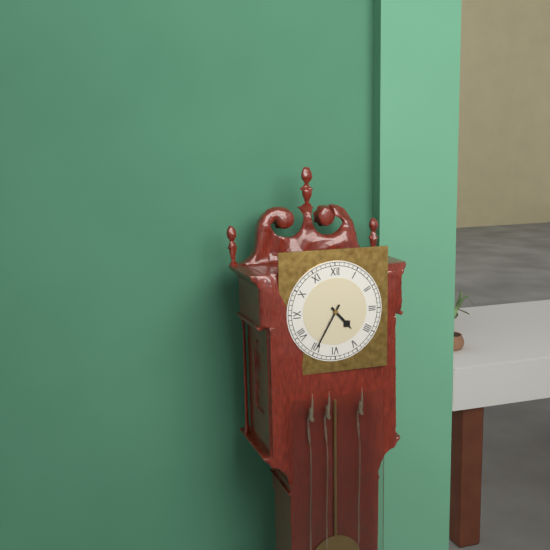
4:35
